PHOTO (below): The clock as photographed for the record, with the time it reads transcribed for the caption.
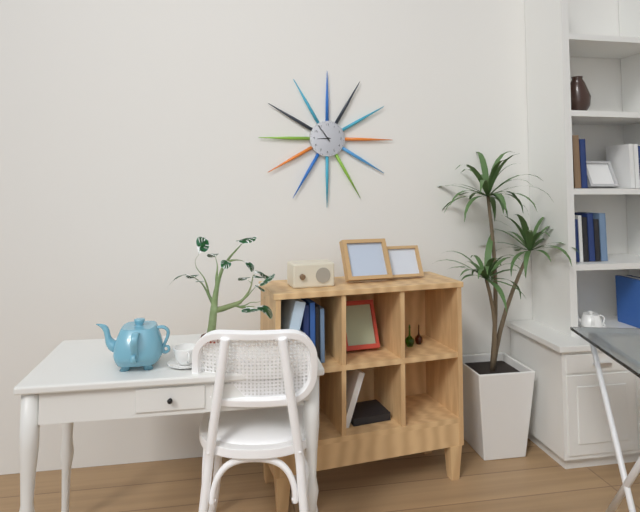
8:54
